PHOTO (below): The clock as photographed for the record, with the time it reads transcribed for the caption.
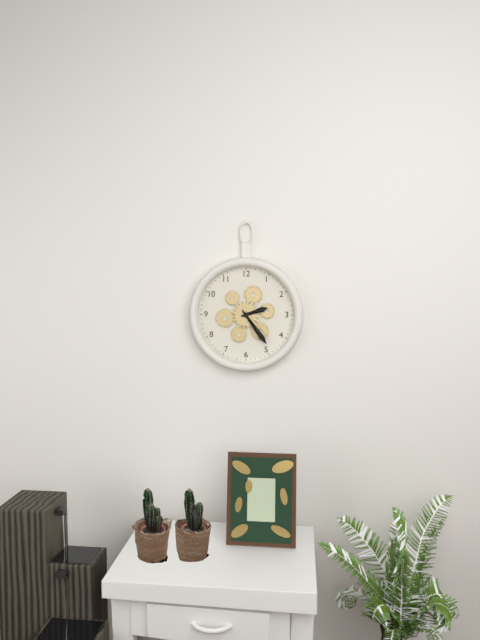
2:24
